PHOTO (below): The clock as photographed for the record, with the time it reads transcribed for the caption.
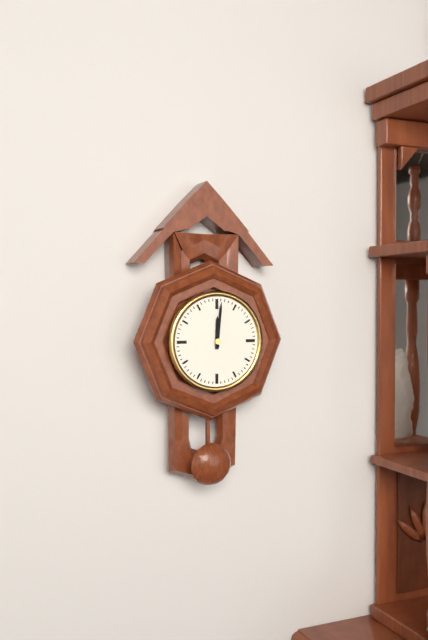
12:01
